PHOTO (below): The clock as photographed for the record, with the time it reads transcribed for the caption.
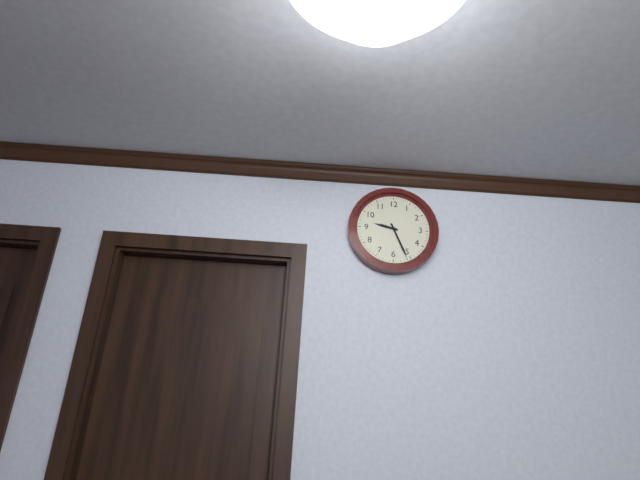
9:26
